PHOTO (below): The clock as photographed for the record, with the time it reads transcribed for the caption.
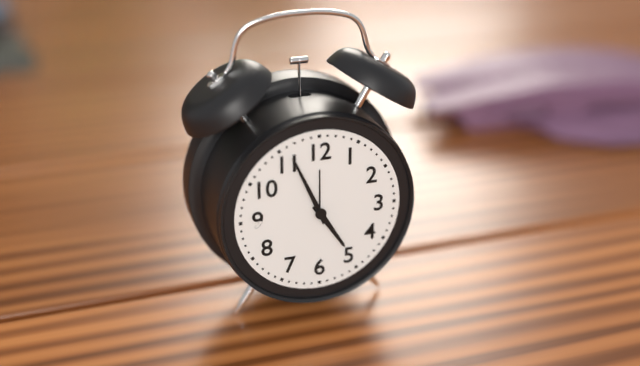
4:56
